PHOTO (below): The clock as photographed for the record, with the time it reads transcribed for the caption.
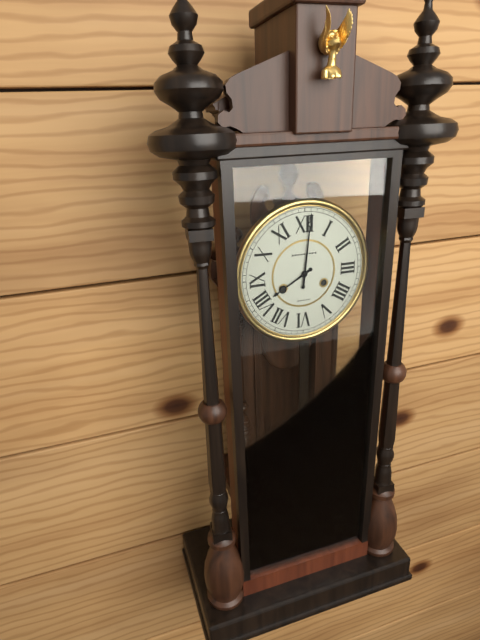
8:01
